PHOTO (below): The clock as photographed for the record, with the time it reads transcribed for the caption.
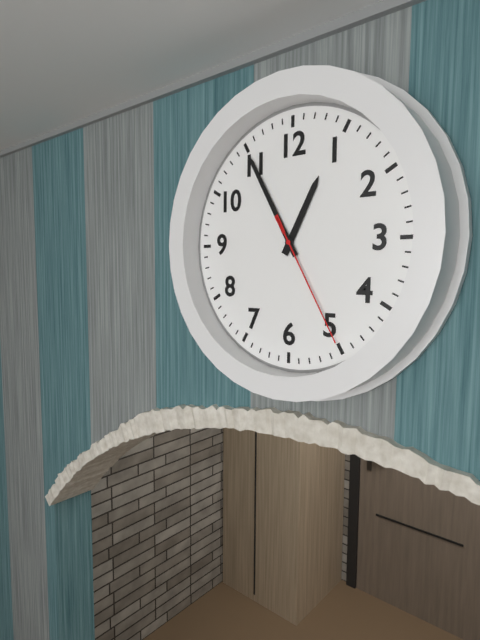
12:55:25
